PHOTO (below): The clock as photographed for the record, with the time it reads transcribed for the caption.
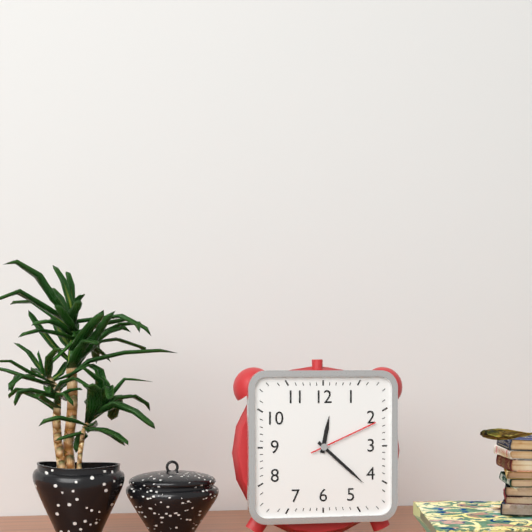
12:22:11
